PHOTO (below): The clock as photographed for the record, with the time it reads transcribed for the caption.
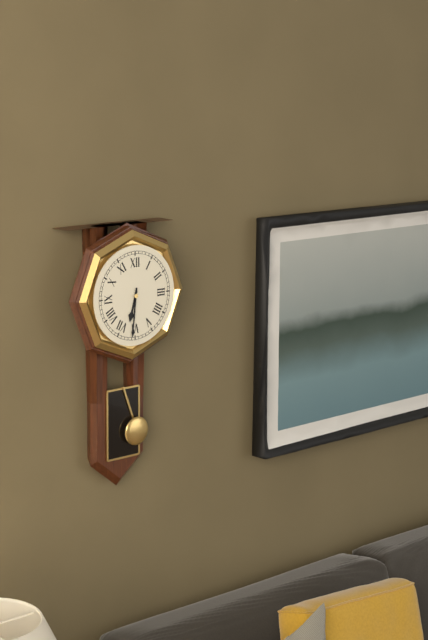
6:31
